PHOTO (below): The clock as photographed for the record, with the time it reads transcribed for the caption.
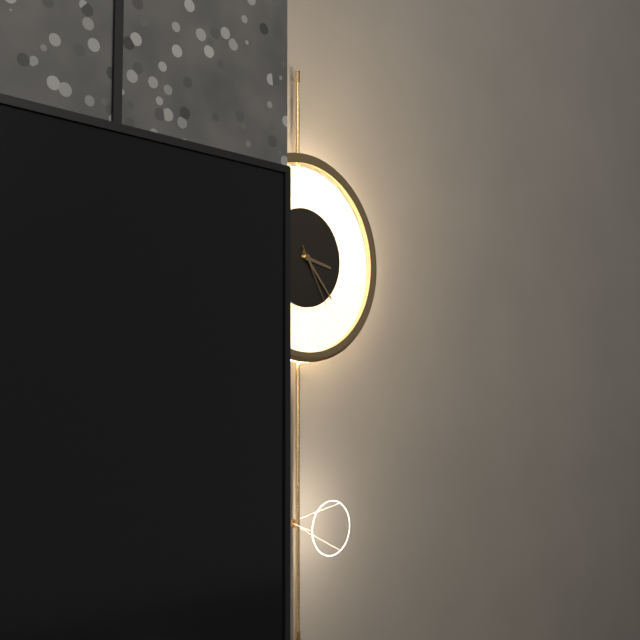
3:23:25
